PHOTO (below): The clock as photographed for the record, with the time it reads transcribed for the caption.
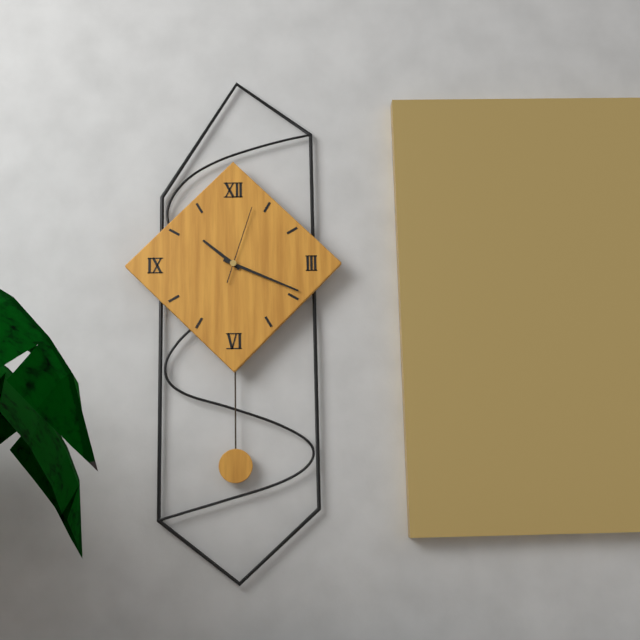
10:19:03
